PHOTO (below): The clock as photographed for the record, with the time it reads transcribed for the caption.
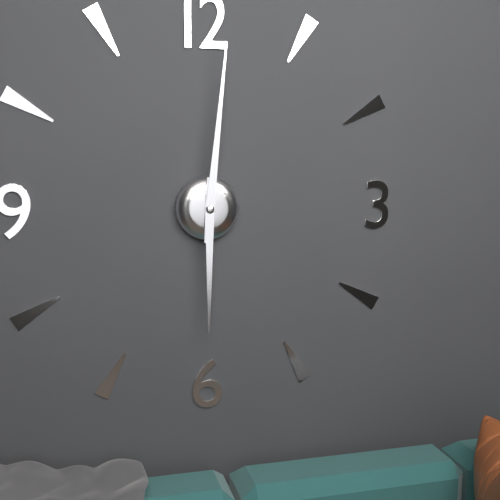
6:01
